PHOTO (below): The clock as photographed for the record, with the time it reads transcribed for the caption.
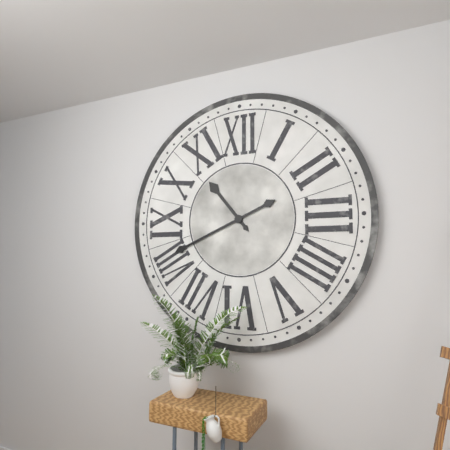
10:41
